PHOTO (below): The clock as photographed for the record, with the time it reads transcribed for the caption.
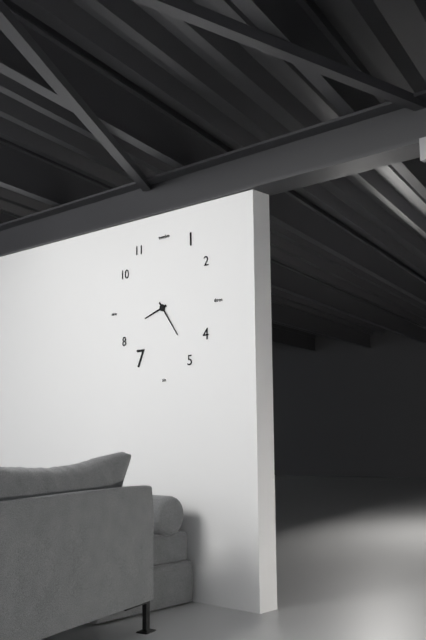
8:24
